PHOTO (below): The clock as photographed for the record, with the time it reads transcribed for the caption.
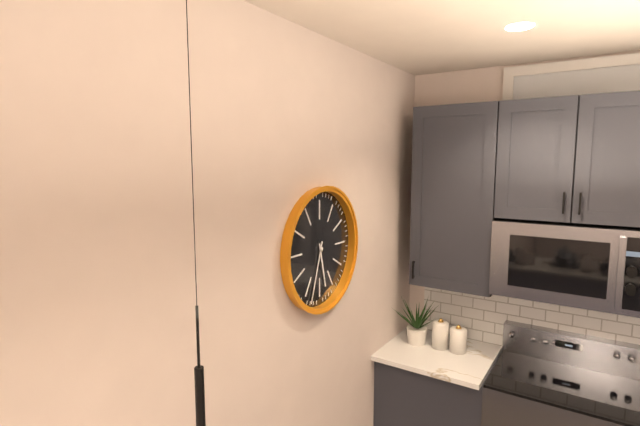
5:33
